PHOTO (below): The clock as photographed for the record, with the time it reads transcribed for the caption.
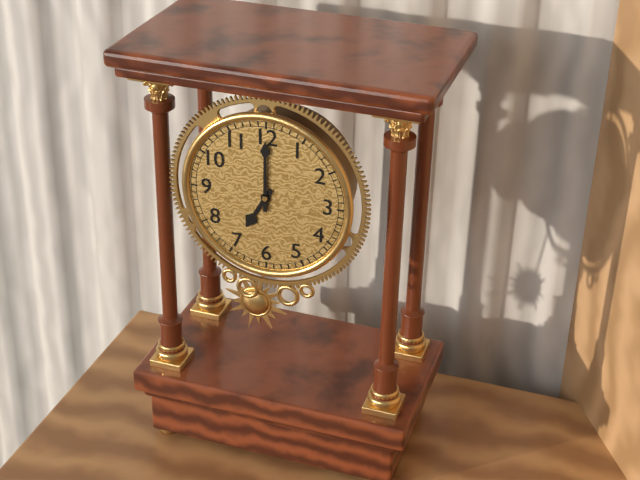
7:00
